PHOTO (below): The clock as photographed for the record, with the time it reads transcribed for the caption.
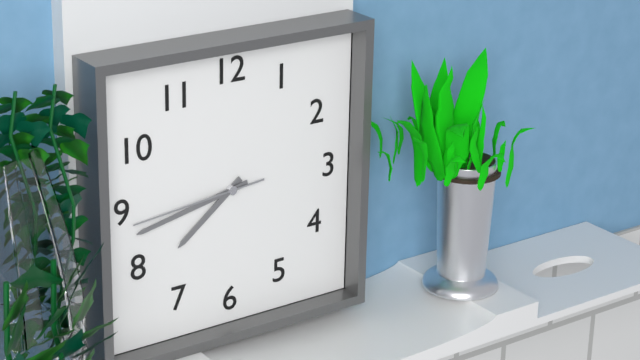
7:43:44
